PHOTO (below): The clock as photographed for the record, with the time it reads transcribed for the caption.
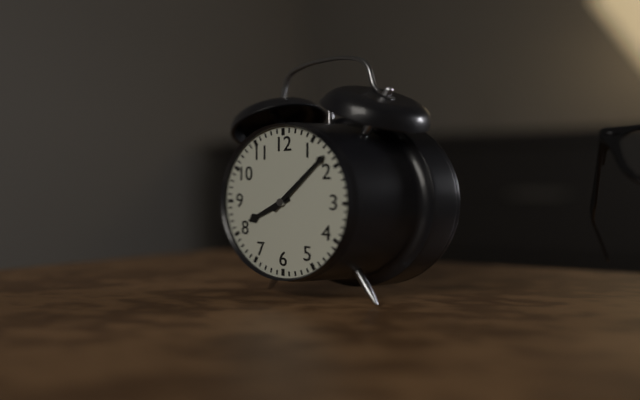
8:08
